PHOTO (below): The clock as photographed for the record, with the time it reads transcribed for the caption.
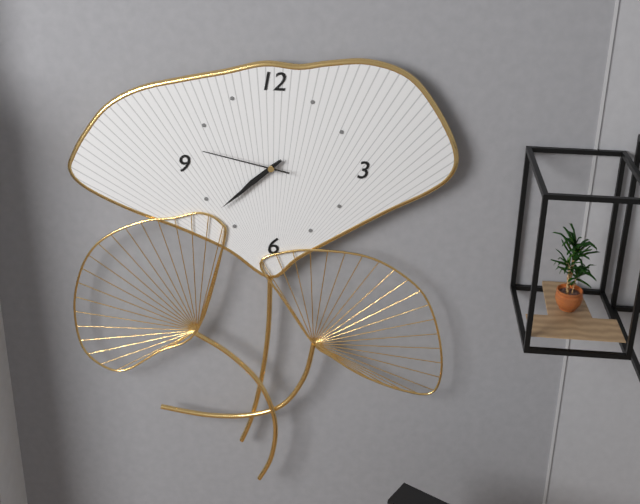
7:38:47
